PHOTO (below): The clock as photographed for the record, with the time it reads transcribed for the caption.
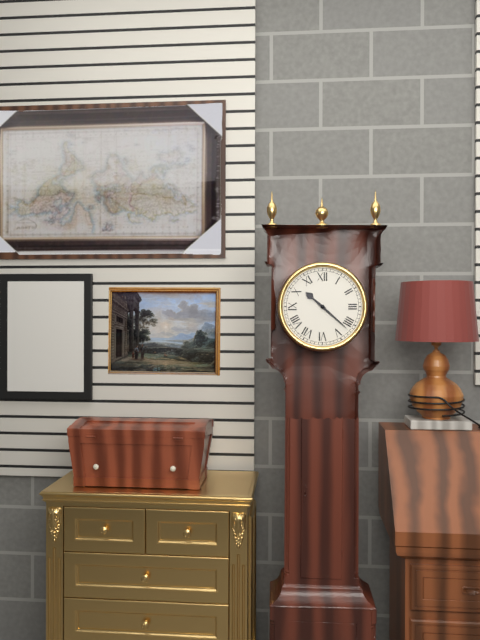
10:22
